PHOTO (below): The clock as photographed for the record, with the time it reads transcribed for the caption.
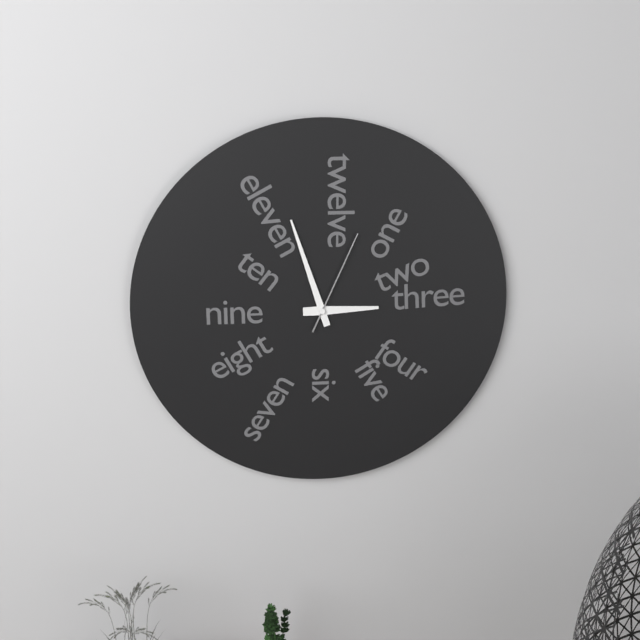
2:57:04
